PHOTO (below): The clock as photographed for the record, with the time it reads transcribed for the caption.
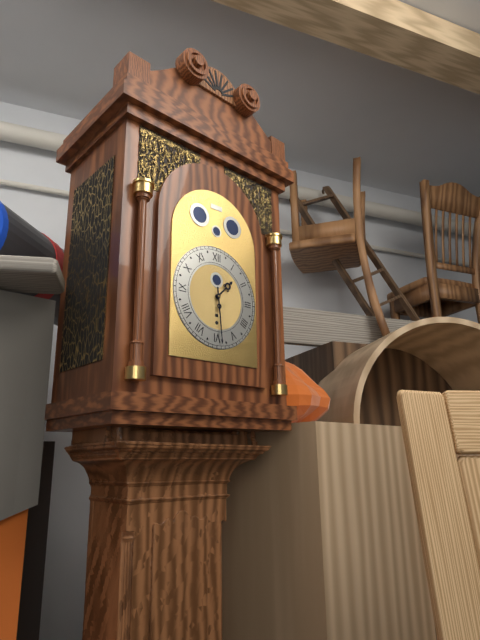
1:29
